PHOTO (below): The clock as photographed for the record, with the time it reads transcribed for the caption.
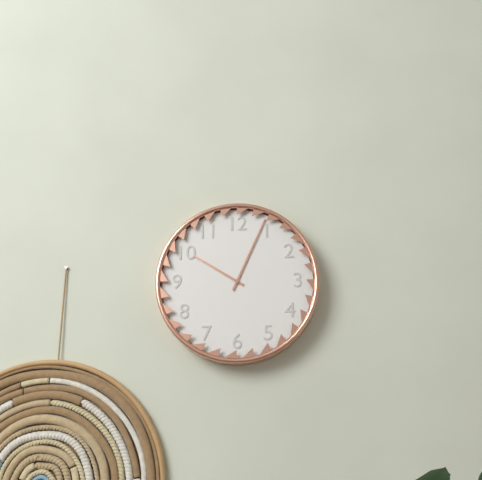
10:04
